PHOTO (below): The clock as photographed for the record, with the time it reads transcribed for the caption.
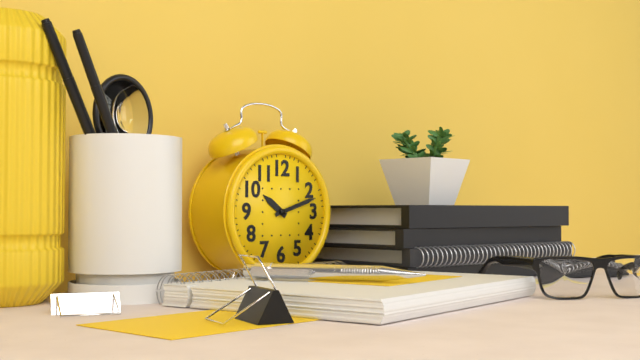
10:12
